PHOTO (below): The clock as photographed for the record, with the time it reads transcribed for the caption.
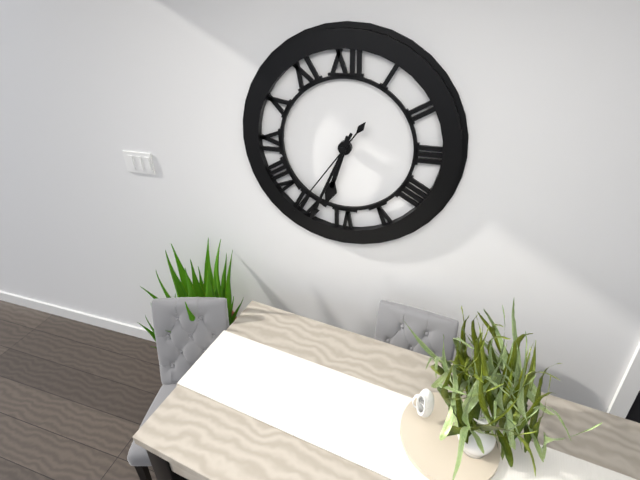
6:34:36
